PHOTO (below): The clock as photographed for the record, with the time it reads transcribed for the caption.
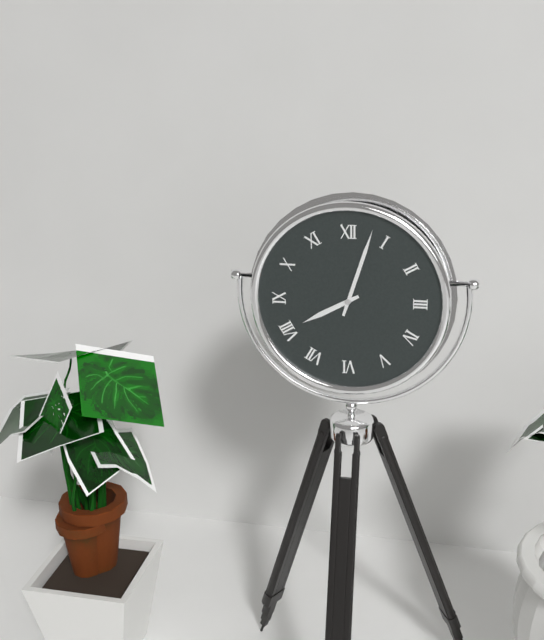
8:03
